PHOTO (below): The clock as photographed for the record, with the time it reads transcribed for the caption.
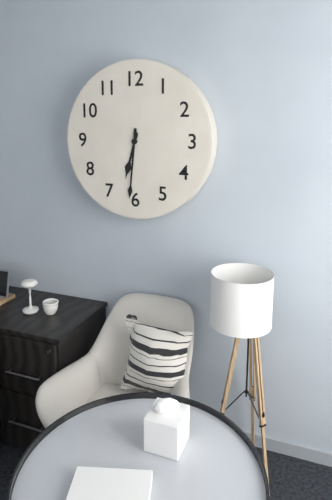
6:31
